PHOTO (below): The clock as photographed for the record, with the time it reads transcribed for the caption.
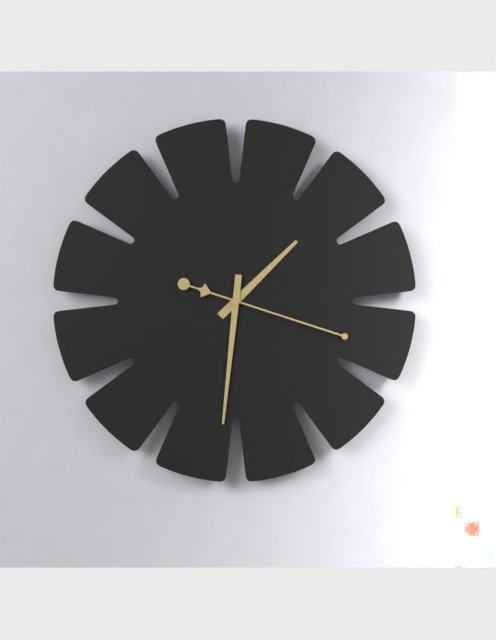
1:31:18
